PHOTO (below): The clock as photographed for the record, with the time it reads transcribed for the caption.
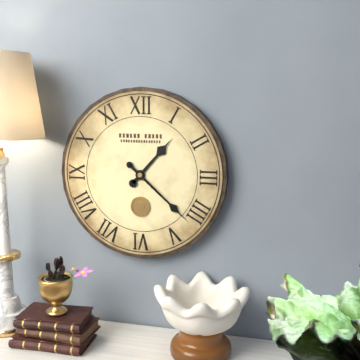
1:22
